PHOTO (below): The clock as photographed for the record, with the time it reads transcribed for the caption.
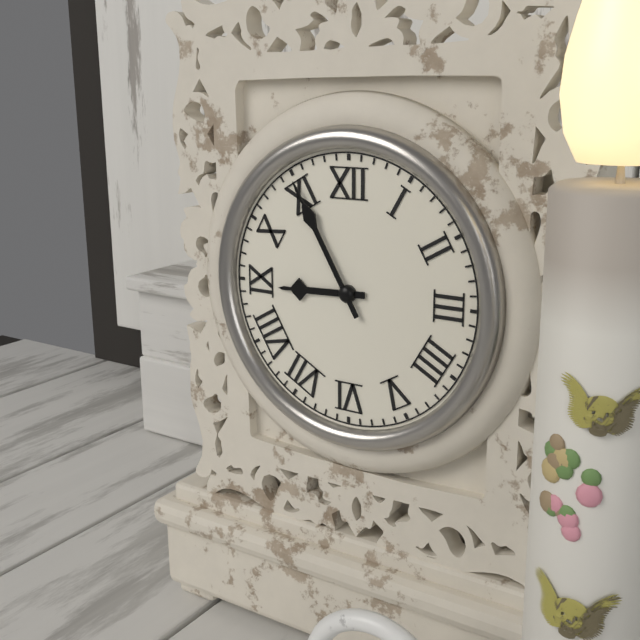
8:55
